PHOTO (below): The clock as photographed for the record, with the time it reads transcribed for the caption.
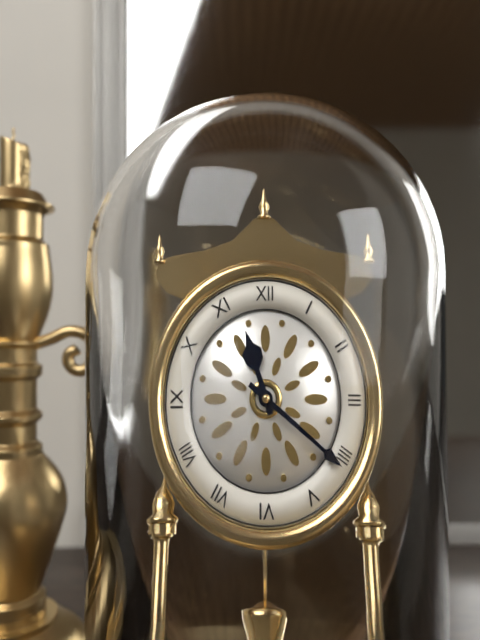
11:21
